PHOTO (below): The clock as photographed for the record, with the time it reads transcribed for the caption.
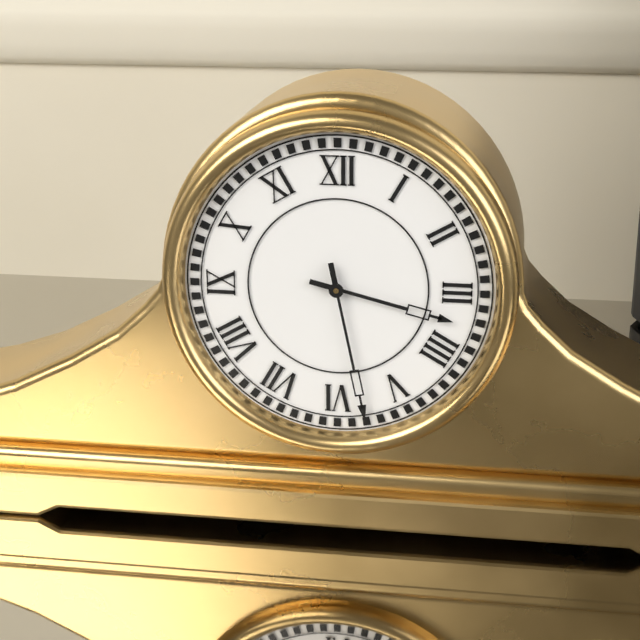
3:28
